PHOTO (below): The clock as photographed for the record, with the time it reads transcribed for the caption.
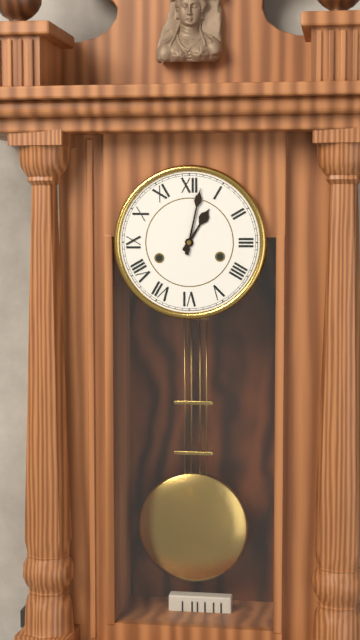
1:02
